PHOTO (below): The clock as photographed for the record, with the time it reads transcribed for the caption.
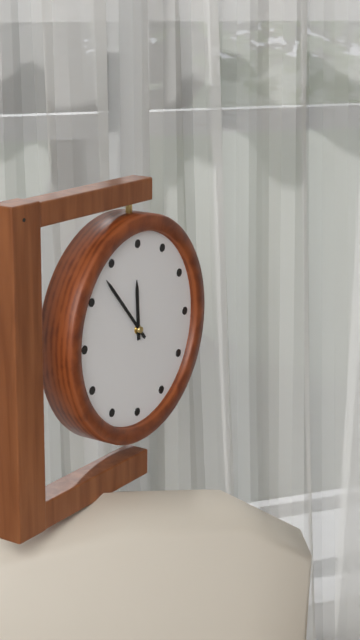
11:53
